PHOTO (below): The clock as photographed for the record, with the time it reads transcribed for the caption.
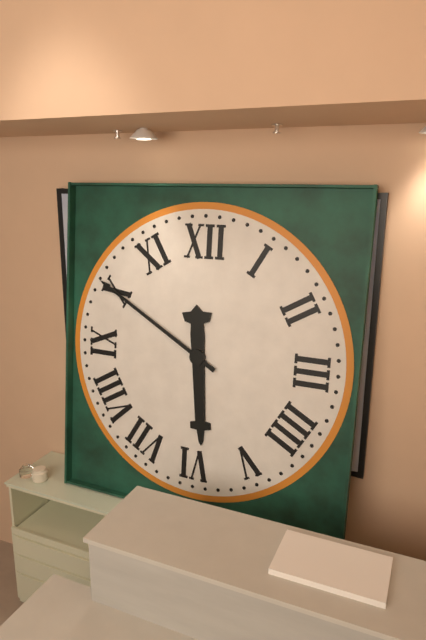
5:50
